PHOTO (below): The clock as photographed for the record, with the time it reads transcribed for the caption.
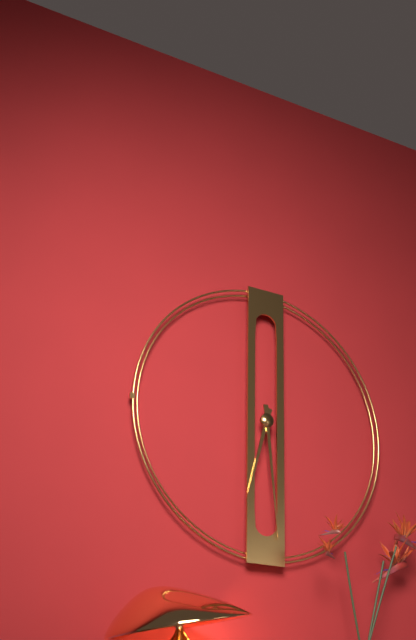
6:29
